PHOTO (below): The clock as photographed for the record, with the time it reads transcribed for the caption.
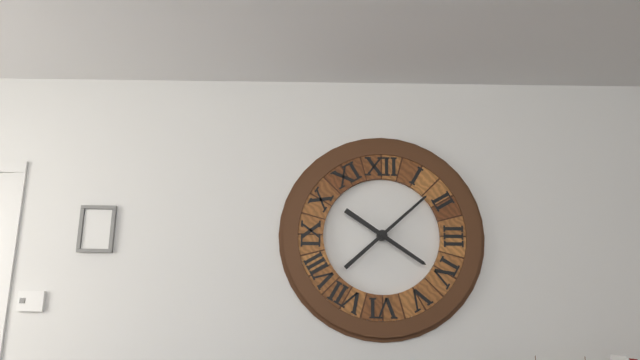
4:08
